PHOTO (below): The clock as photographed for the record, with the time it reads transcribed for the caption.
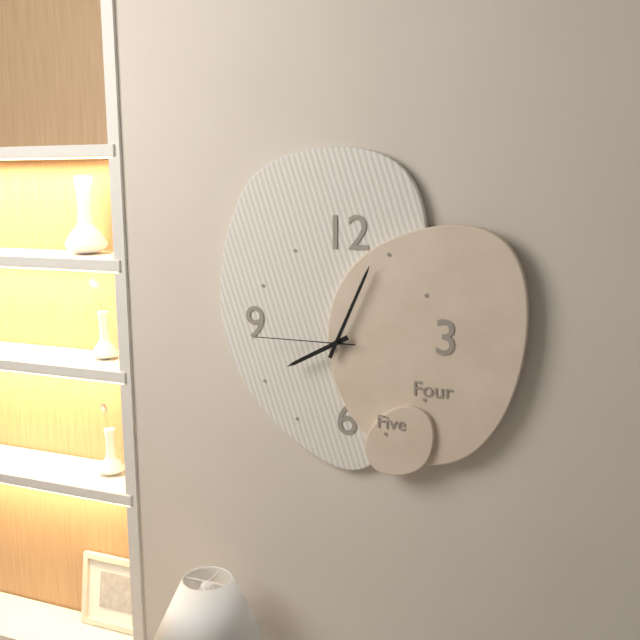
8:04:45
